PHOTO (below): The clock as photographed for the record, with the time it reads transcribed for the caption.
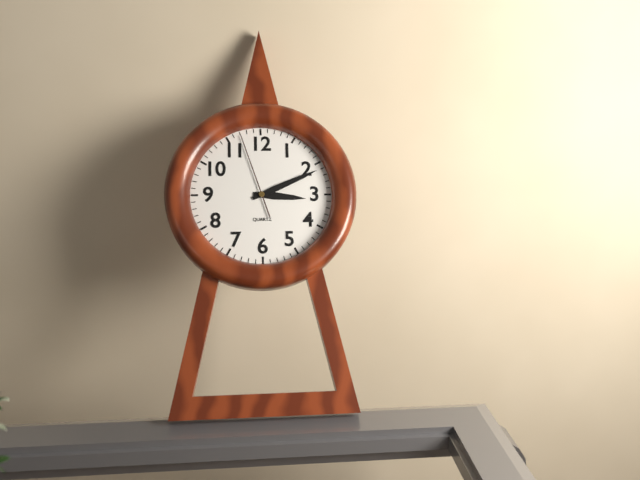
3:11:57
